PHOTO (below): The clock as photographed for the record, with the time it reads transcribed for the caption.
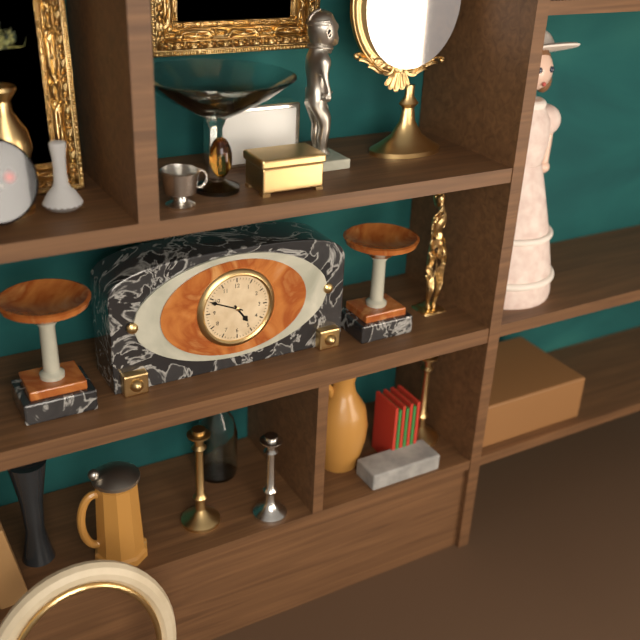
4:49
